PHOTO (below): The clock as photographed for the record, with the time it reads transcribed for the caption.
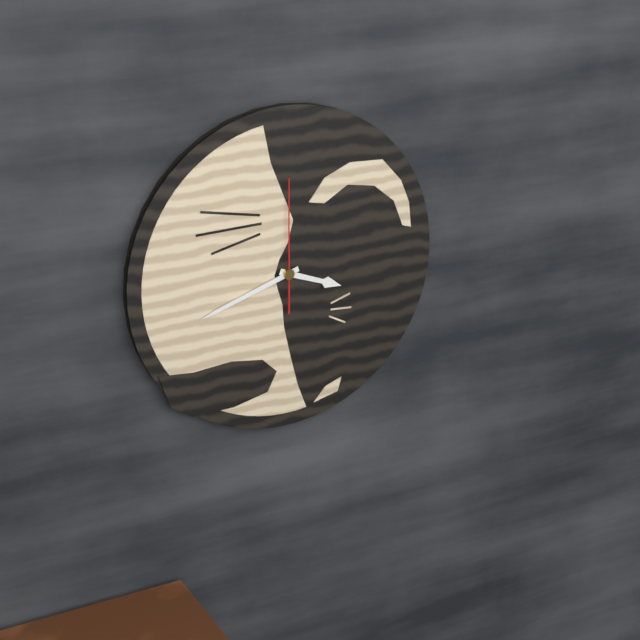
3:42:00
